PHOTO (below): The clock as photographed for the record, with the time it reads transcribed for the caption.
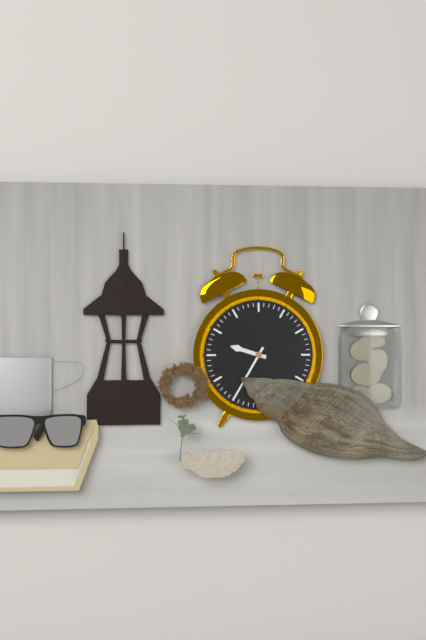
9:35
